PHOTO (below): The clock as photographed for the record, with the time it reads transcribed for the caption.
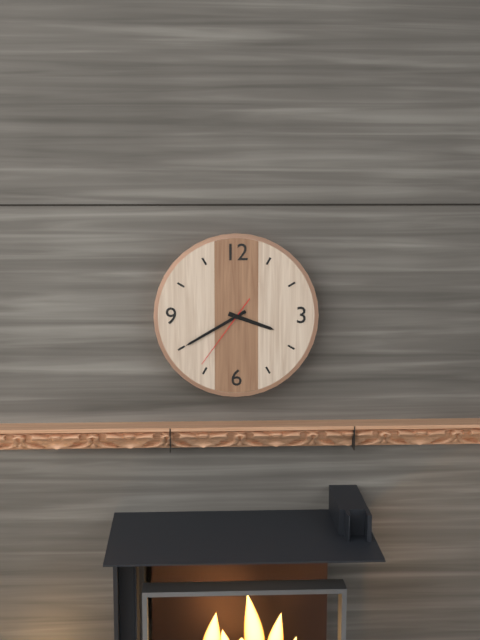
3:40:36
